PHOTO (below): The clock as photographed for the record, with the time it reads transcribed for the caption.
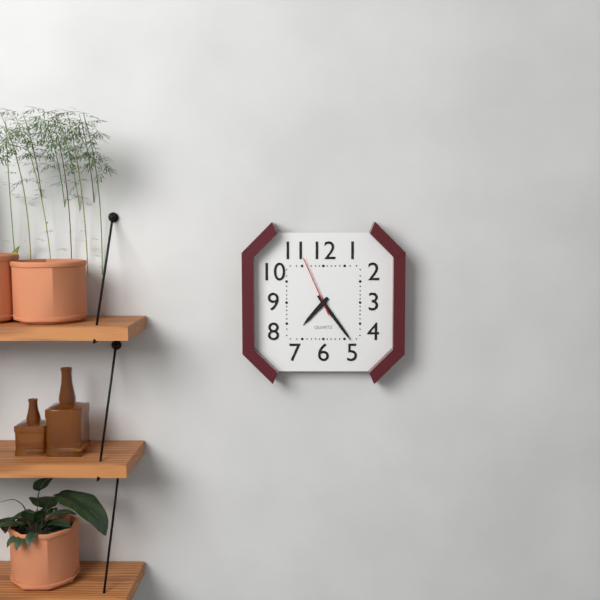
7:24:56
